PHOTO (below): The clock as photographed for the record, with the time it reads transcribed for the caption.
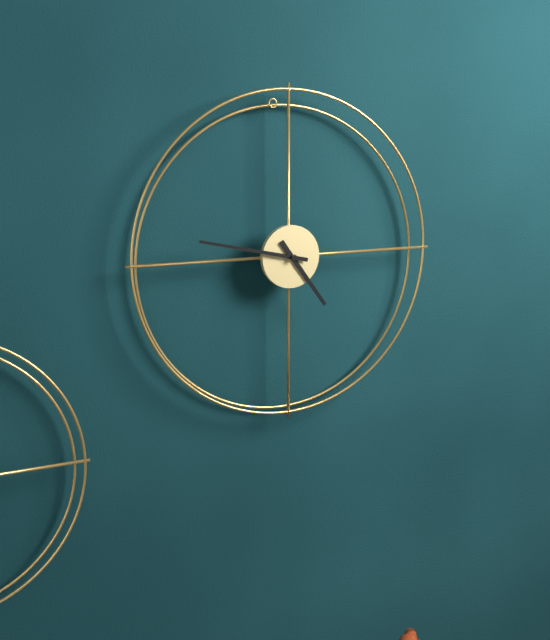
4:47
